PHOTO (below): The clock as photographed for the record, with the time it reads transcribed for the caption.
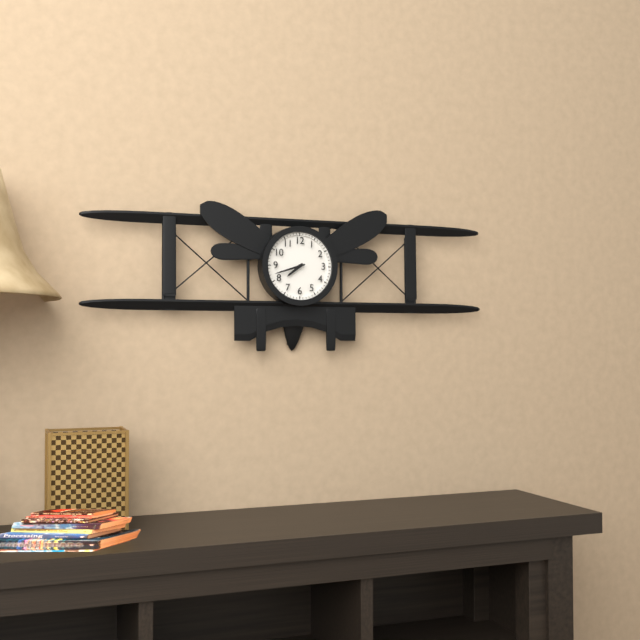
7:42
